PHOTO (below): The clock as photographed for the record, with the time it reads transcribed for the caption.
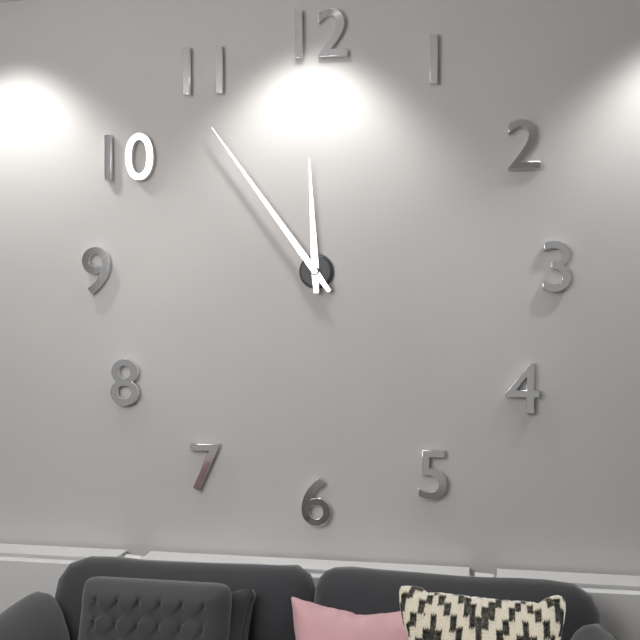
11:54
